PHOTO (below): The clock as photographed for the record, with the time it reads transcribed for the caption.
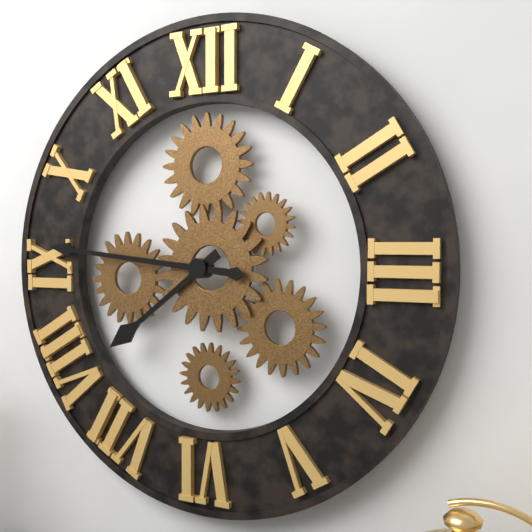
7:46
